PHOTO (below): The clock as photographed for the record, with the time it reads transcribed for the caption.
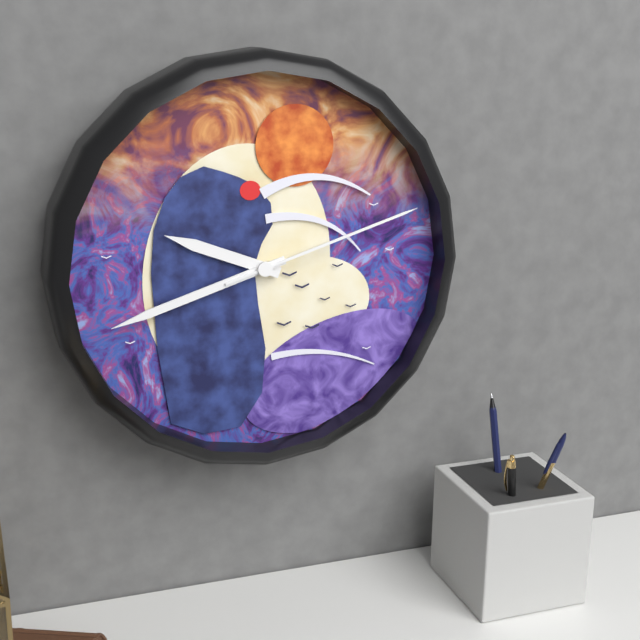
9:42:12
